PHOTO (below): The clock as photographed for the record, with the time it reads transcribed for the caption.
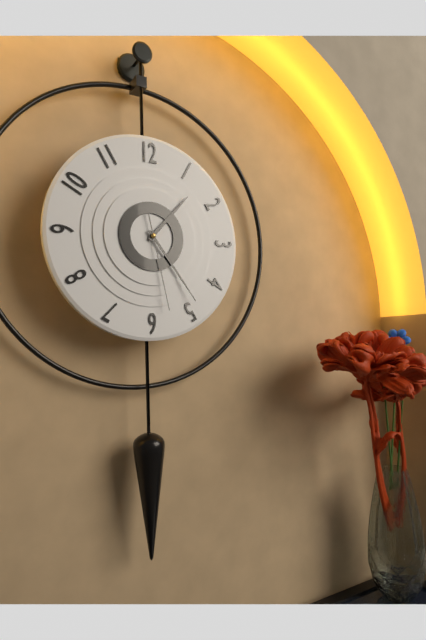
1:24:28
